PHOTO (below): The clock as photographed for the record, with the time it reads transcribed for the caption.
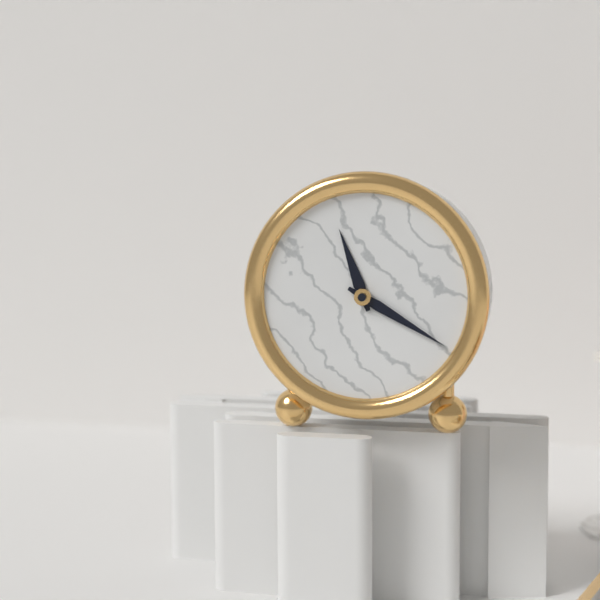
11:20
